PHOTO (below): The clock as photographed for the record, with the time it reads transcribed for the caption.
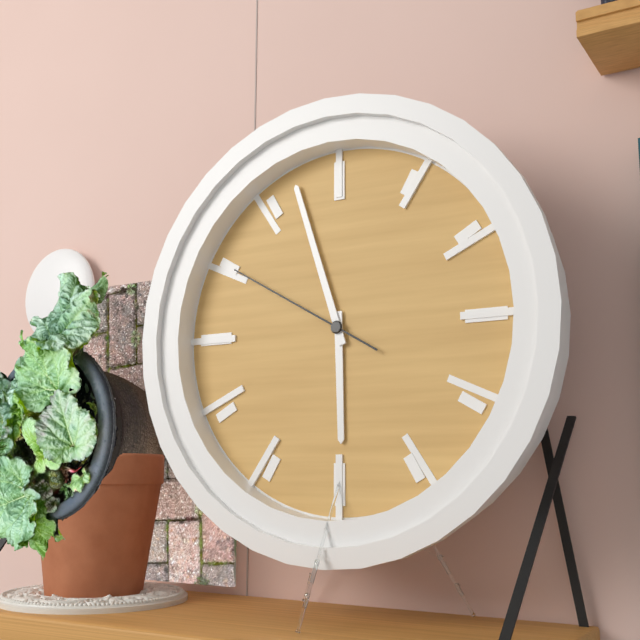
5:57:50
